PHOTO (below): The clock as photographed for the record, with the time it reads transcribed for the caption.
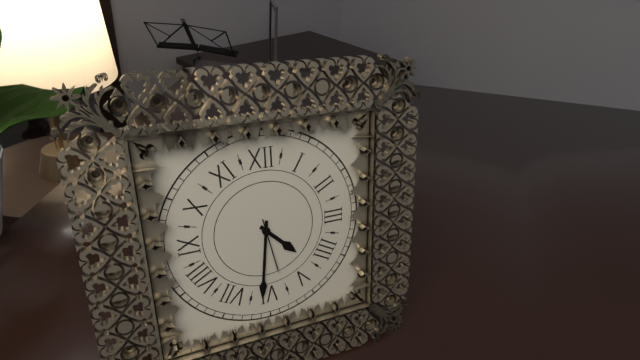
4:31:28
